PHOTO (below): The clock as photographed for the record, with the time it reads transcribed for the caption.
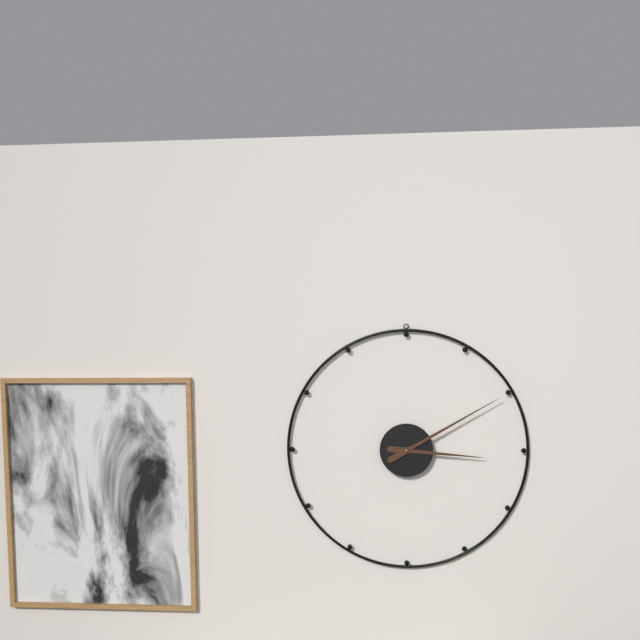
3:10
